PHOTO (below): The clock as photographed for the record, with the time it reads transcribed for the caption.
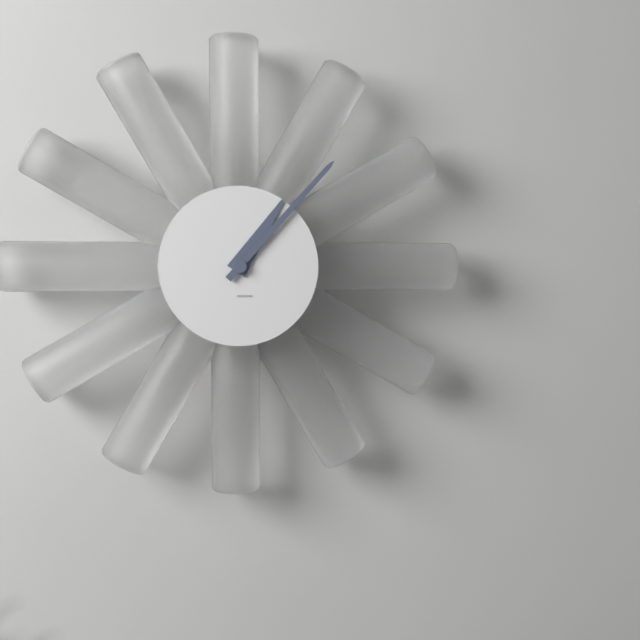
1:07
